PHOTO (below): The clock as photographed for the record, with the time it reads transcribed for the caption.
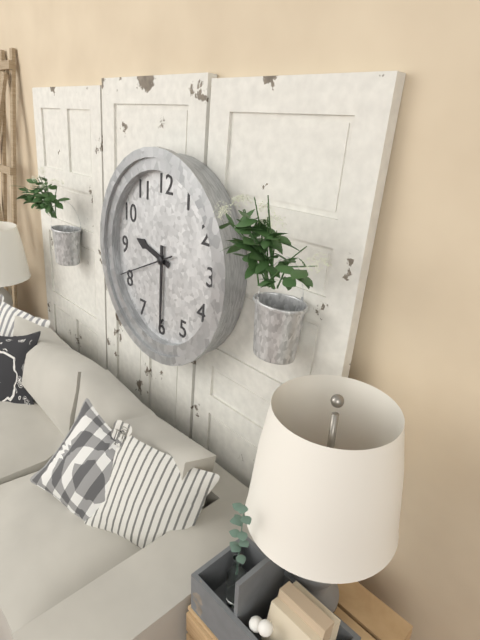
9:30:41
